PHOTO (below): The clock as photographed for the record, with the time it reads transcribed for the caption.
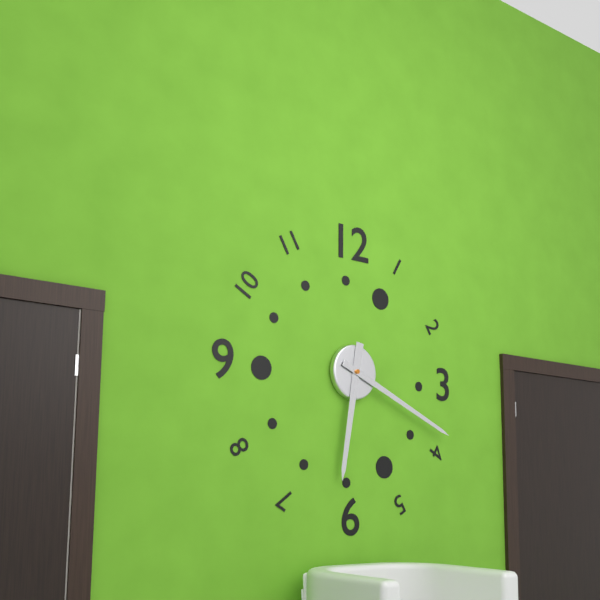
6:19
